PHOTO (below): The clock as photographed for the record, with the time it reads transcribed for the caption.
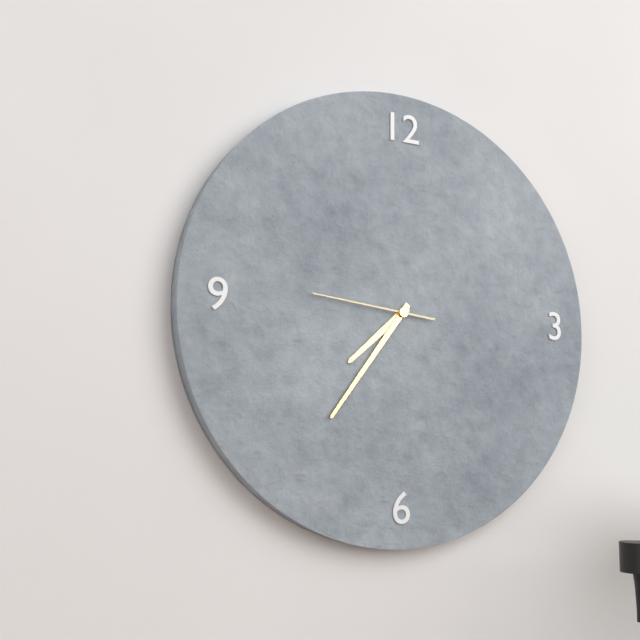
7:36:46
